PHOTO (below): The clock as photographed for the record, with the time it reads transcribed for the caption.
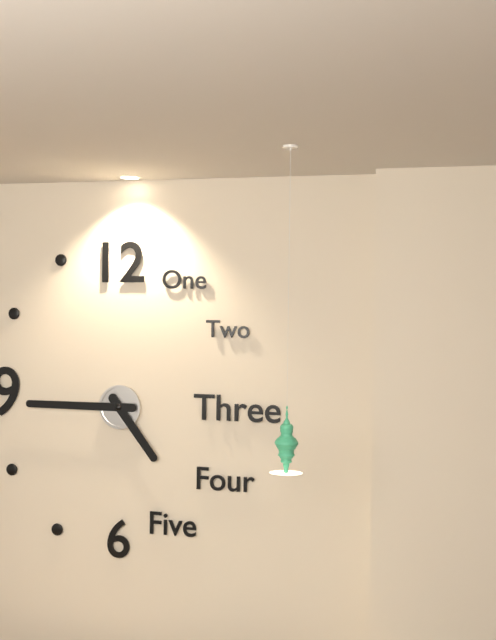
4:45
